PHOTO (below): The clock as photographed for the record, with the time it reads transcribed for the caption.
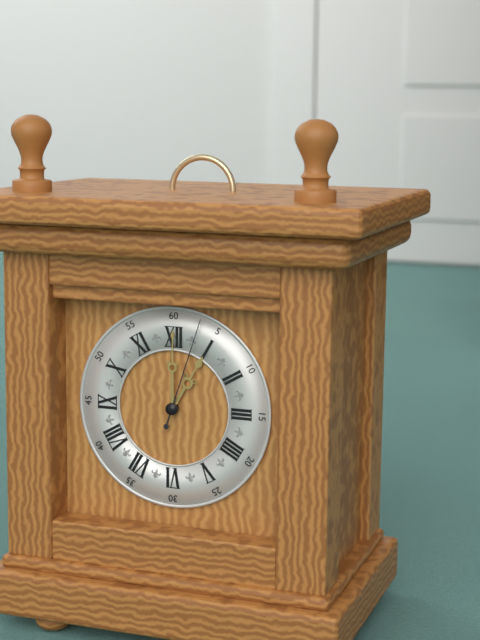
1:00:03
